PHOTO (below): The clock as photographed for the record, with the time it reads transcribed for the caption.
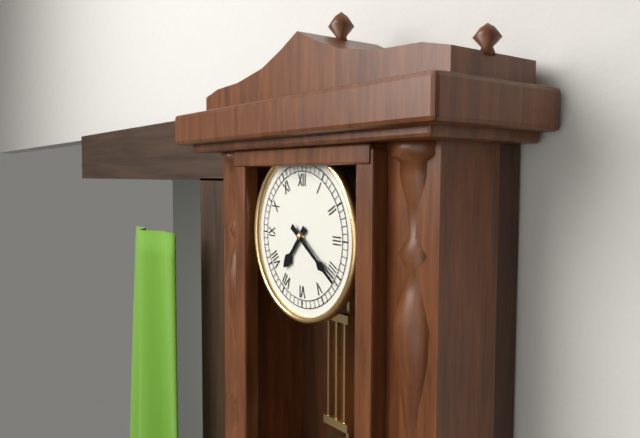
7:21
